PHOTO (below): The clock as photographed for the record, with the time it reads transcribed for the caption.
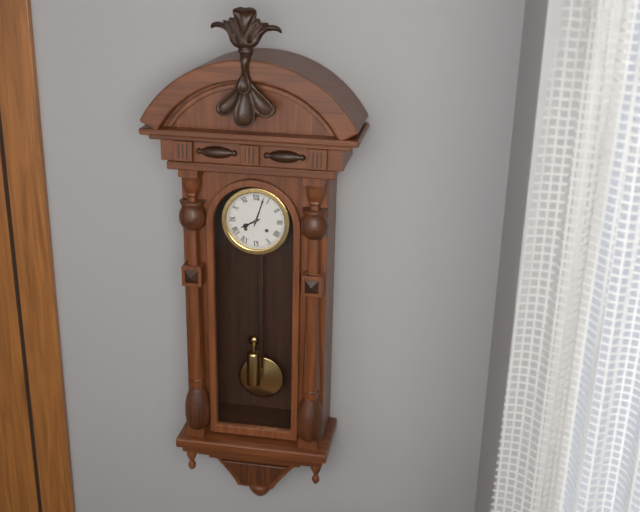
8:03
